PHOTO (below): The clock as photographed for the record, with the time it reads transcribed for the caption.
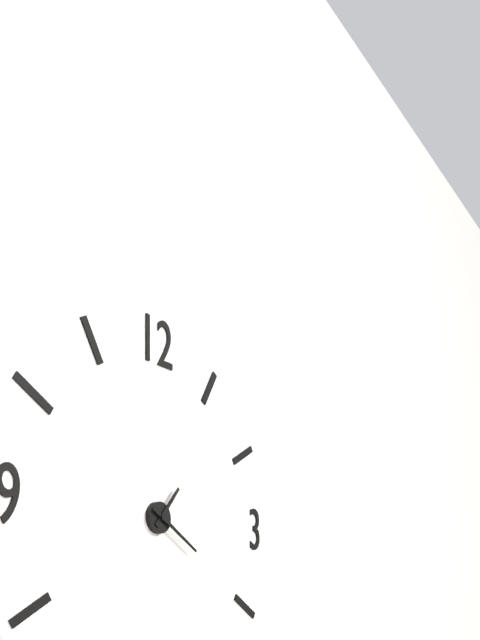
1:20
